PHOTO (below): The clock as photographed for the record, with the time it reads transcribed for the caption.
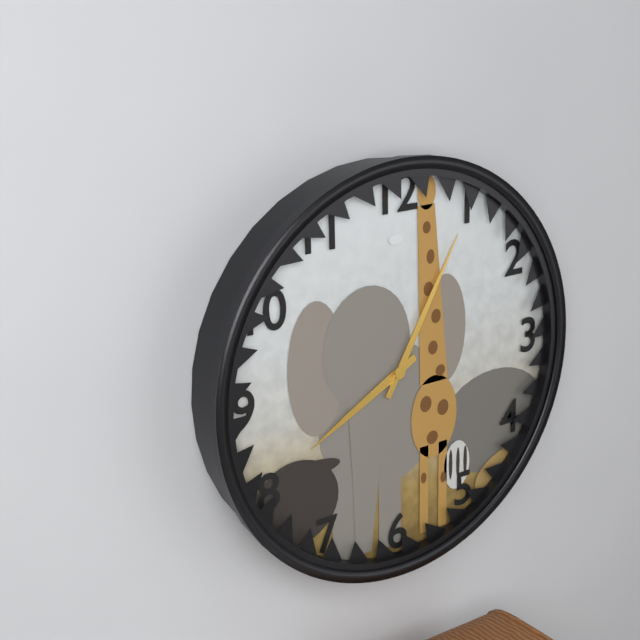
8:05
